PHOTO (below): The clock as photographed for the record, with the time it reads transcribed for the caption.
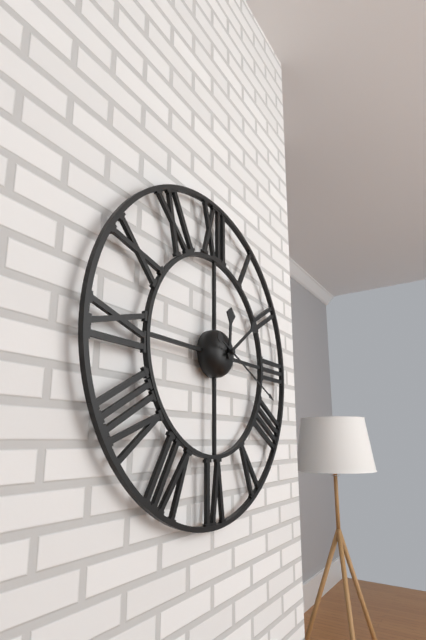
12:09:19
